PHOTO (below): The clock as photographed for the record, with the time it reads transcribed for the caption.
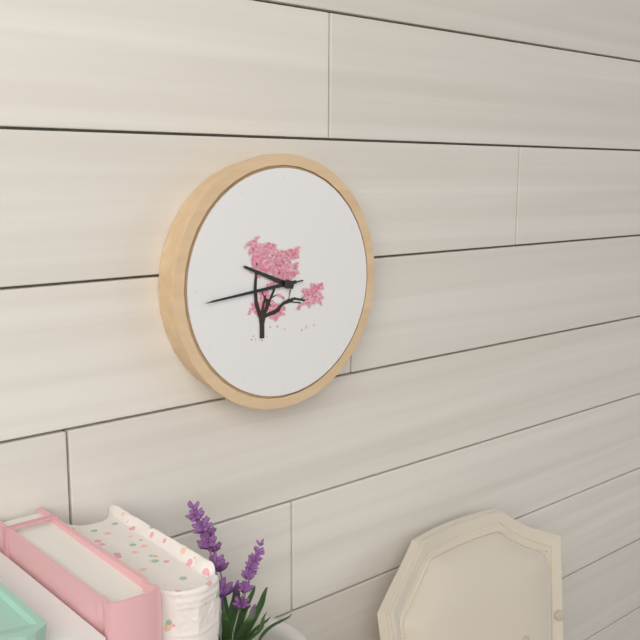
9:44:44
